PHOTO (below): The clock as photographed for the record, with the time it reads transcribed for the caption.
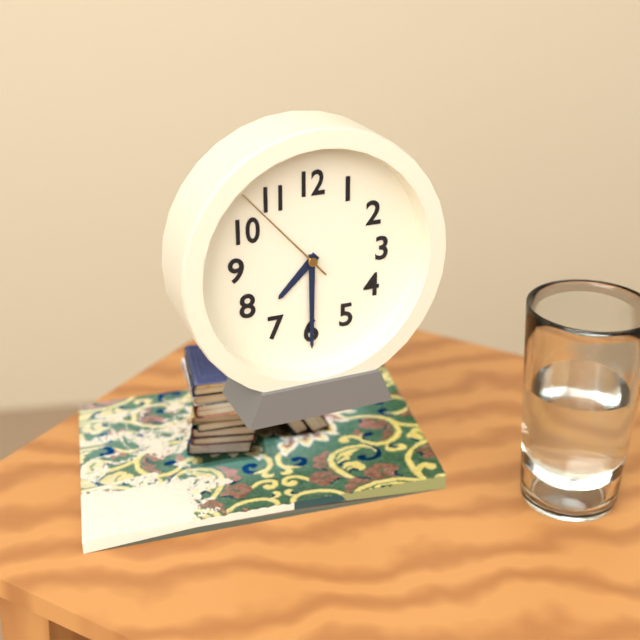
7:30:53
